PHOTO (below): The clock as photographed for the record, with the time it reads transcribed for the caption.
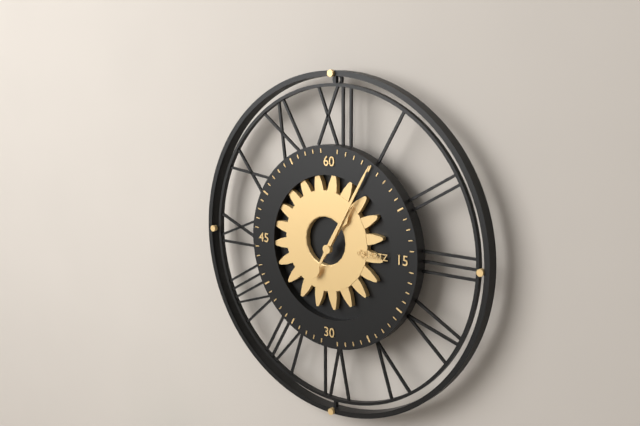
1:05
